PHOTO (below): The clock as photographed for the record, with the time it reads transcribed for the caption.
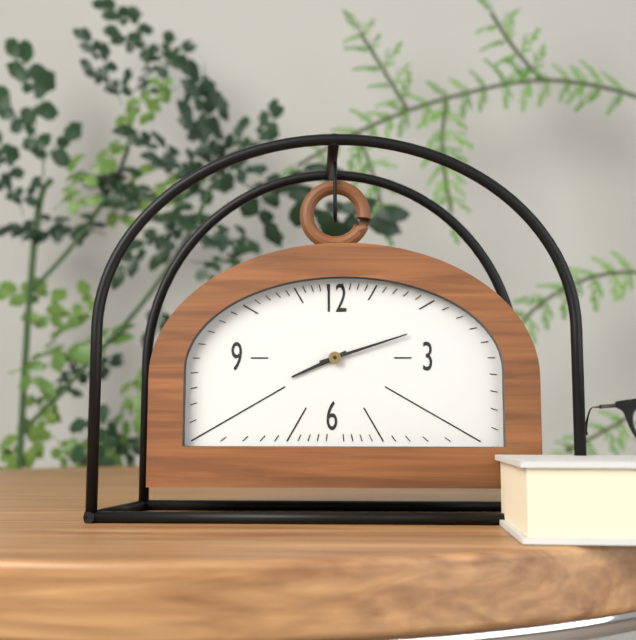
8:12
